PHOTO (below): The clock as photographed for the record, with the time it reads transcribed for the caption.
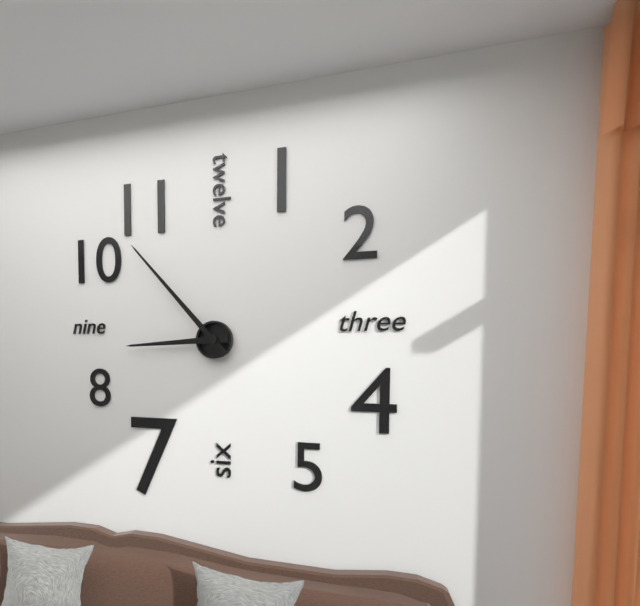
8:53
